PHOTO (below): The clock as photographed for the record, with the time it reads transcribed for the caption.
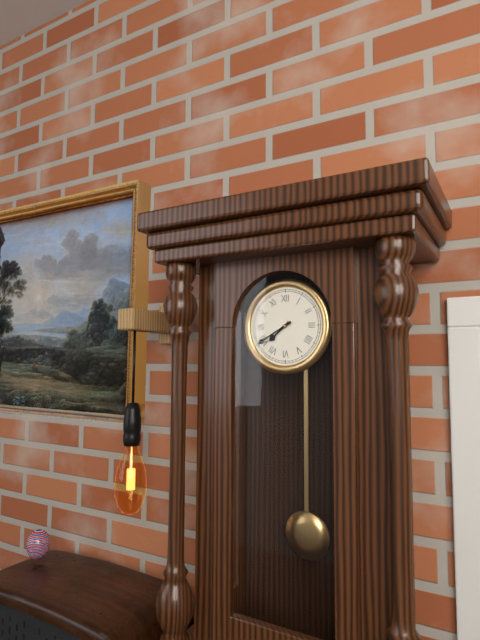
7:40
